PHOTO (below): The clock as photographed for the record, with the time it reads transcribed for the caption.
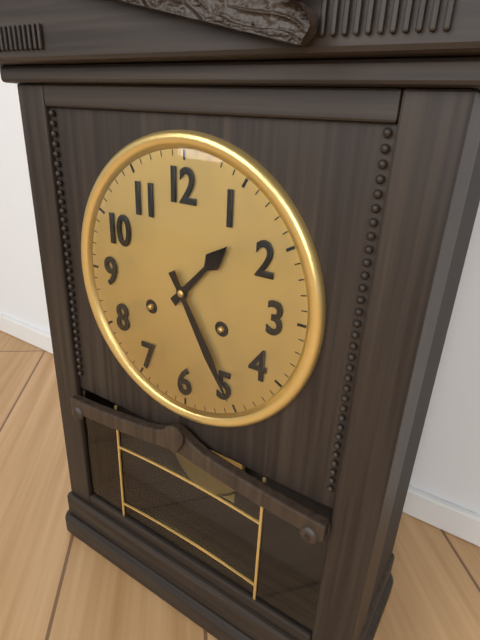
1:25
